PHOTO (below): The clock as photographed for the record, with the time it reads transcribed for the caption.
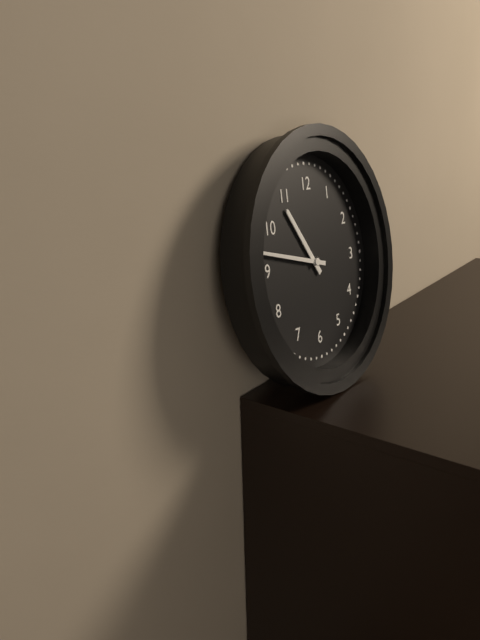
10:47
